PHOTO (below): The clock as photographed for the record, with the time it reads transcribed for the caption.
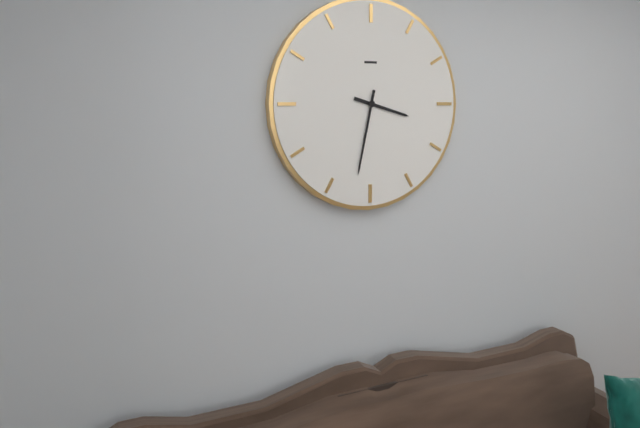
3:32
